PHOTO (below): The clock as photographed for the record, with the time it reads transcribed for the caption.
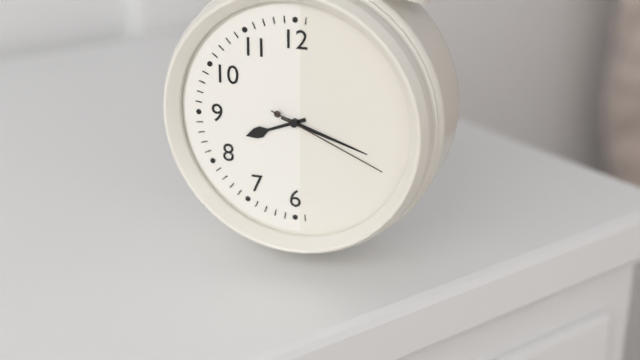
8:18:19
